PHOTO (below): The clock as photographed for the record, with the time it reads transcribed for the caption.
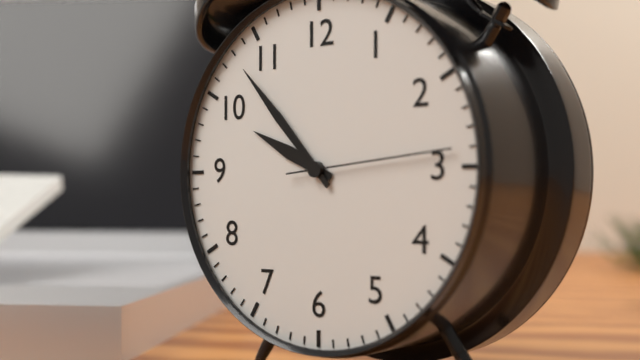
9:53:14
